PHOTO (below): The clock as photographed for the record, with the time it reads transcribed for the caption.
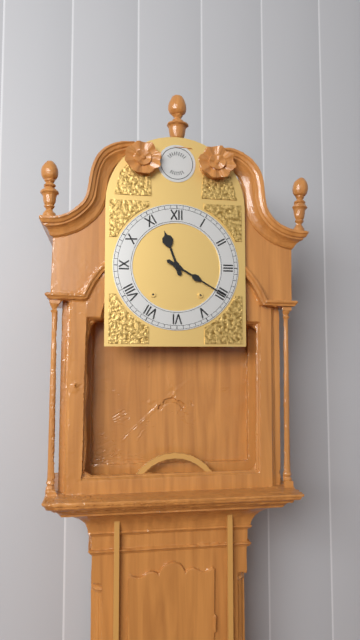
11:20
